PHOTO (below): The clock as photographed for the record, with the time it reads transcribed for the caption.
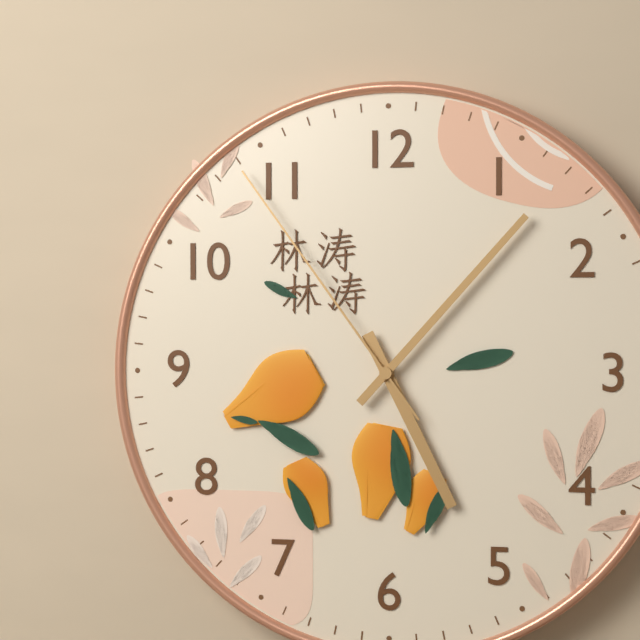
5:07:54
